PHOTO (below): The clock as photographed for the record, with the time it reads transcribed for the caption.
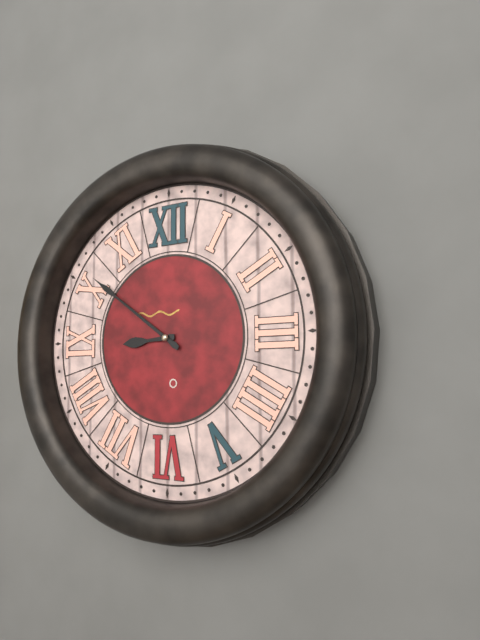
8:51
